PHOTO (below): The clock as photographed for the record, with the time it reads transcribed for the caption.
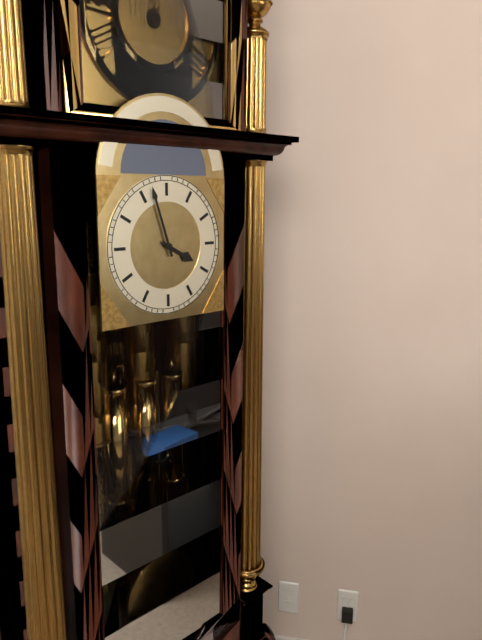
3:57
